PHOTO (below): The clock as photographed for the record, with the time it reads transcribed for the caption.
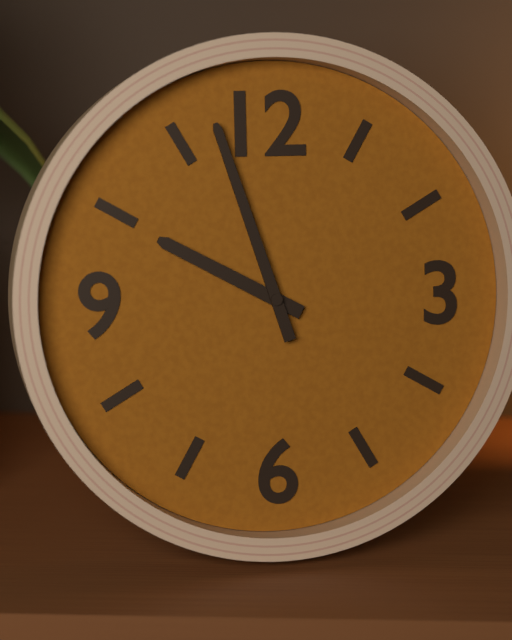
9:57
